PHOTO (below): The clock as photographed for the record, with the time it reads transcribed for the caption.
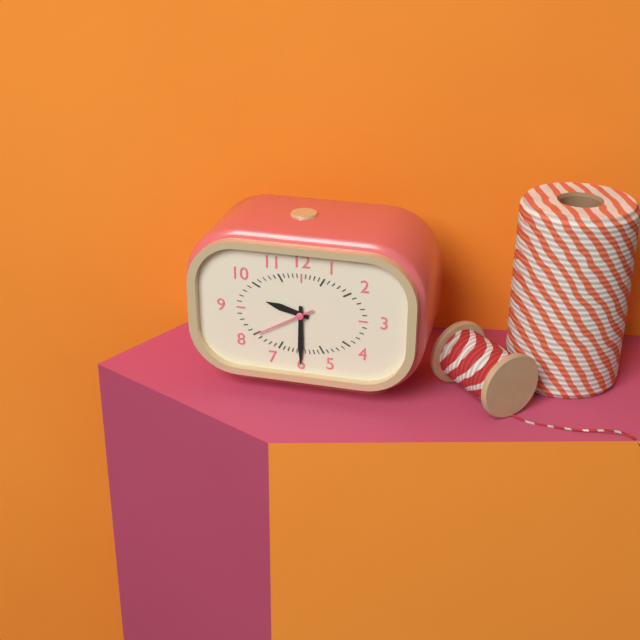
9:30:40
